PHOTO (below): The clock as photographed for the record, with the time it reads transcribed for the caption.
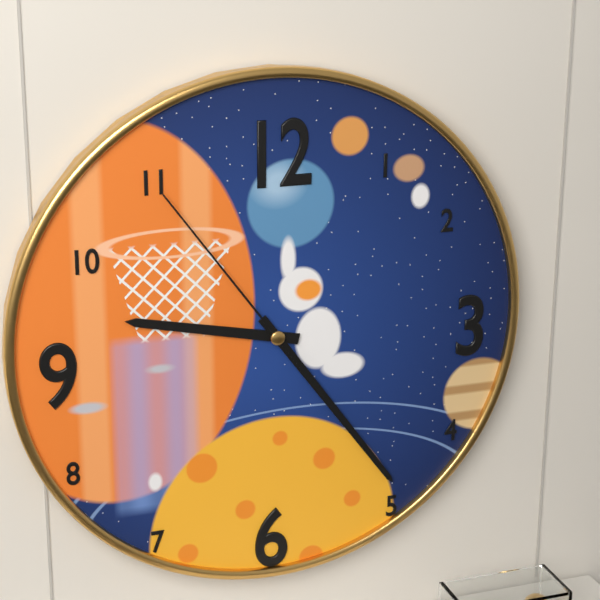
9:24:54
